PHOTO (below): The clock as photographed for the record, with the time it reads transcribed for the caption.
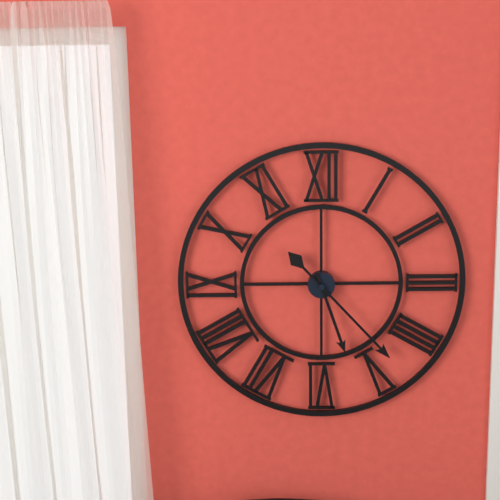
5:23
